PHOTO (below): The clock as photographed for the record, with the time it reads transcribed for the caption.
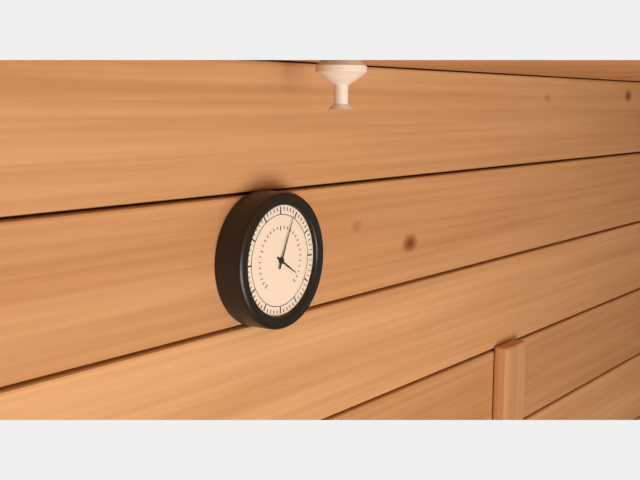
4:04
